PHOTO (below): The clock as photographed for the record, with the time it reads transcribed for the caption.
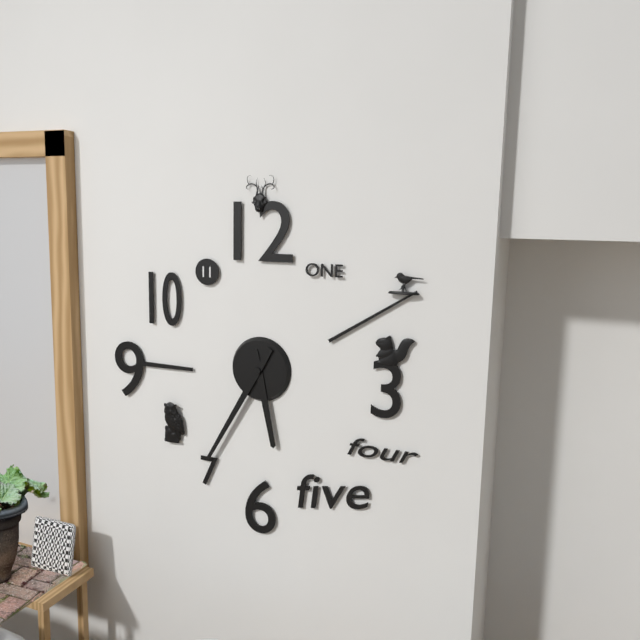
5:35
